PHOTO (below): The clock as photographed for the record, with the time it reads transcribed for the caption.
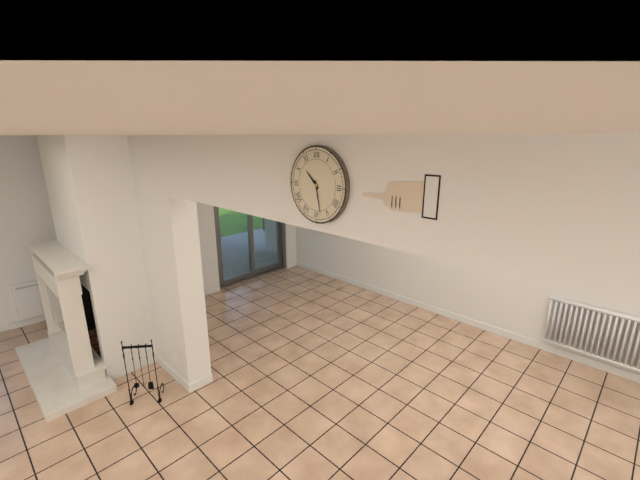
10:28
